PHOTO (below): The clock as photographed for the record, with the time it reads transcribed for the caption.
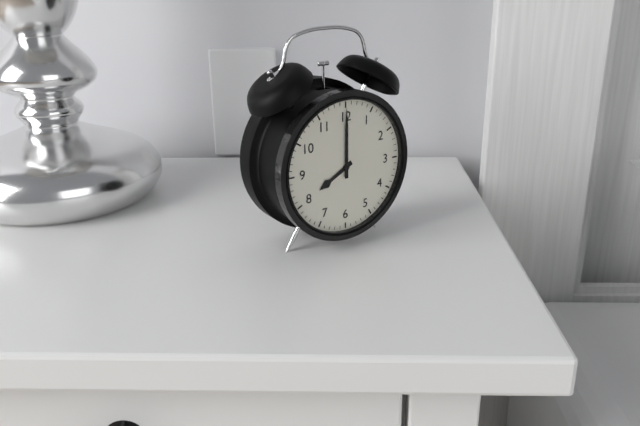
8:00
